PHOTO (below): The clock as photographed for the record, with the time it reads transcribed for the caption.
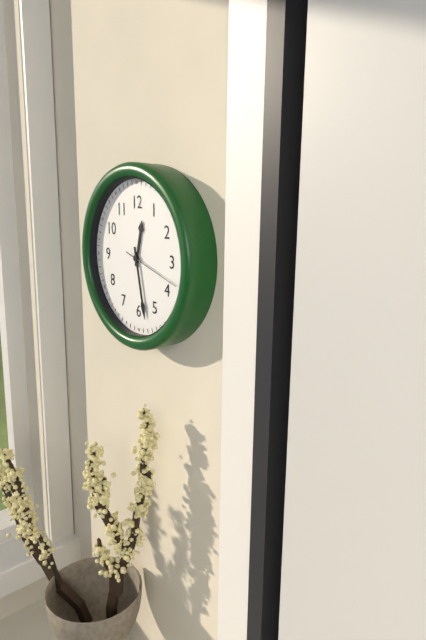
12:28:18
